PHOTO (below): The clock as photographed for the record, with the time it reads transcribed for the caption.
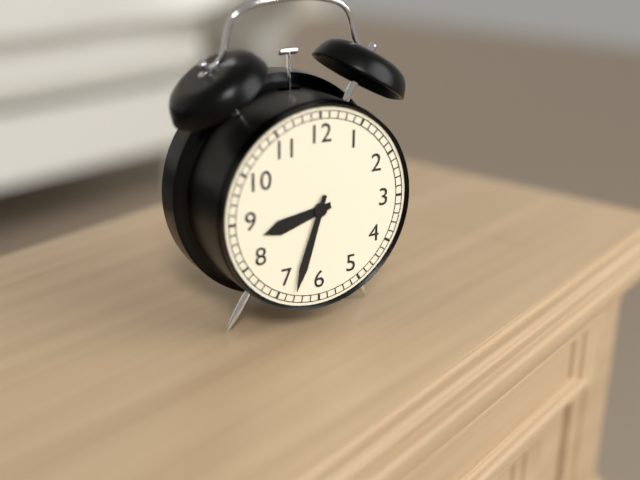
8:33
